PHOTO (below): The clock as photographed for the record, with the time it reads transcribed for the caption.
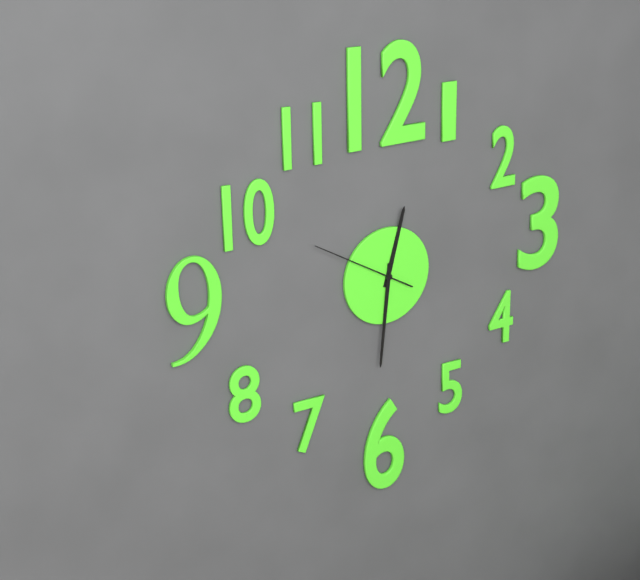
12:31:50
